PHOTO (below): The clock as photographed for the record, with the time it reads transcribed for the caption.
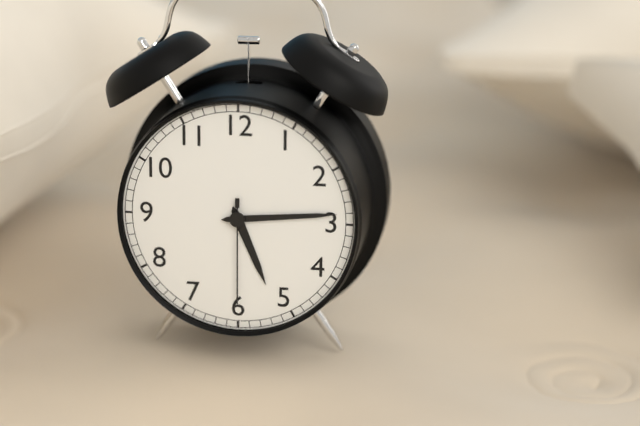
5:14:30
